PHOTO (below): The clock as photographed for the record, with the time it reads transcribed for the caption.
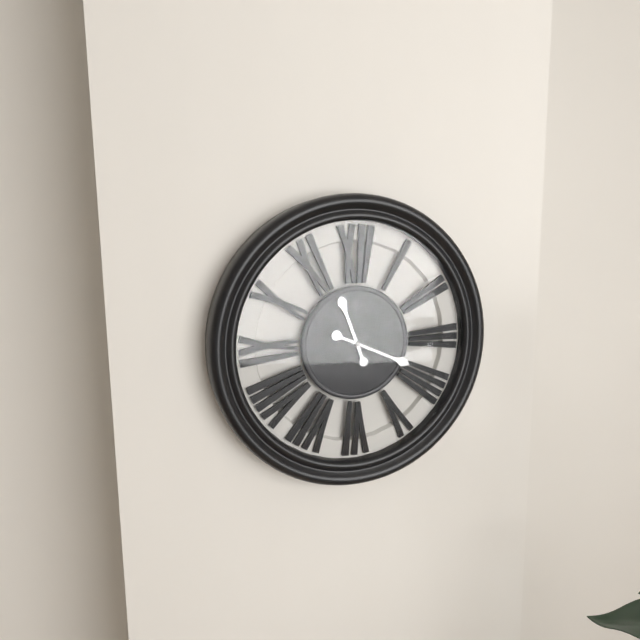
11:19
